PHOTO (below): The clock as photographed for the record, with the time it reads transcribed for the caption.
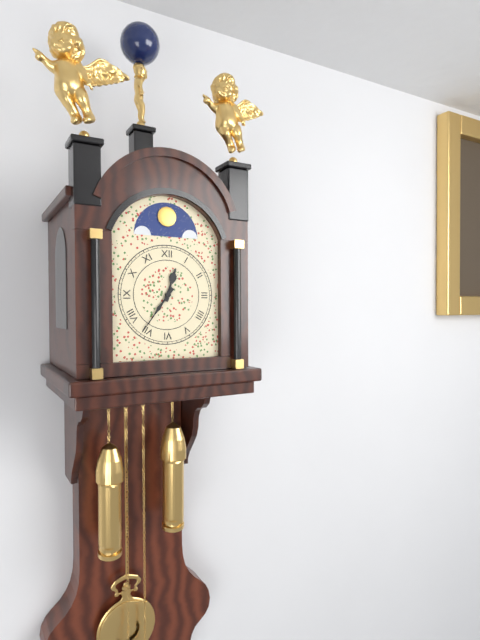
12:36
